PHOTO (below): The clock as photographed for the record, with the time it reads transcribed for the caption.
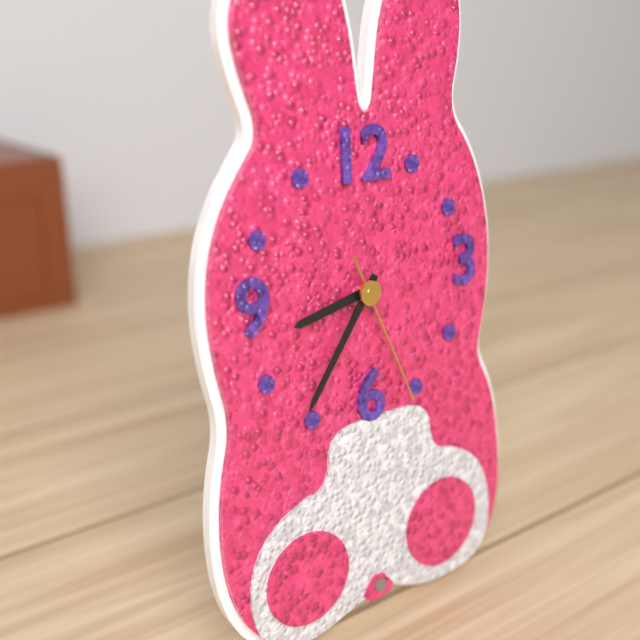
8:36:26
